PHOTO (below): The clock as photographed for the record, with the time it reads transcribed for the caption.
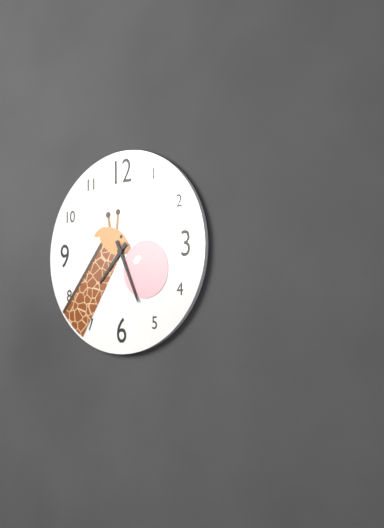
7:26
